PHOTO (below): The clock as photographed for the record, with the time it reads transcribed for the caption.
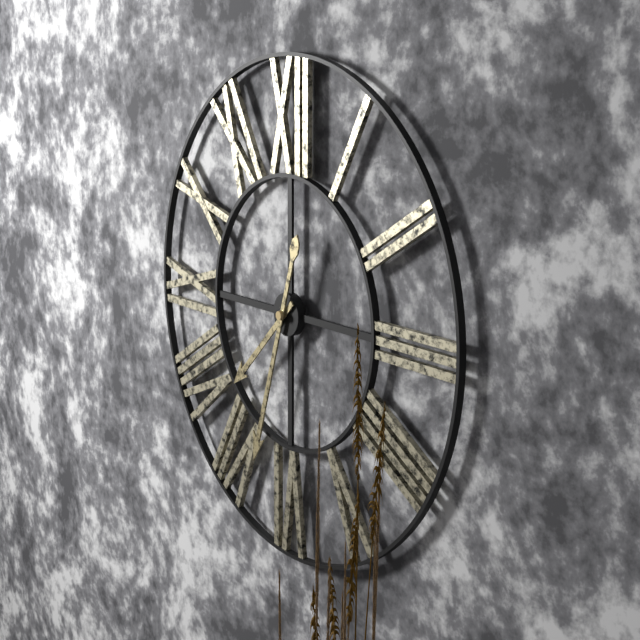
7:33
